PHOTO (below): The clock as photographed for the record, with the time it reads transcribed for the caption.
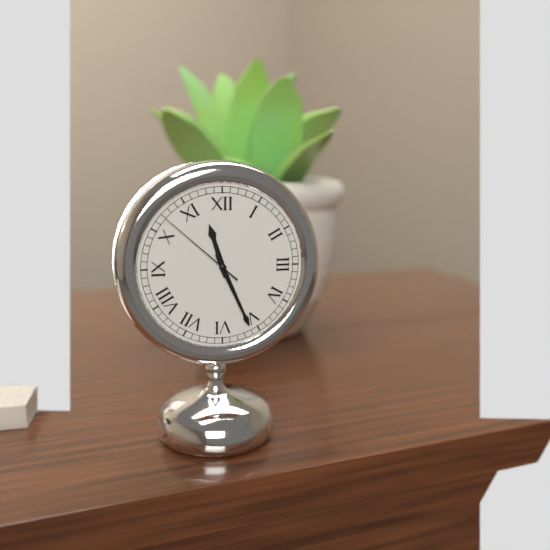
11:26:52
